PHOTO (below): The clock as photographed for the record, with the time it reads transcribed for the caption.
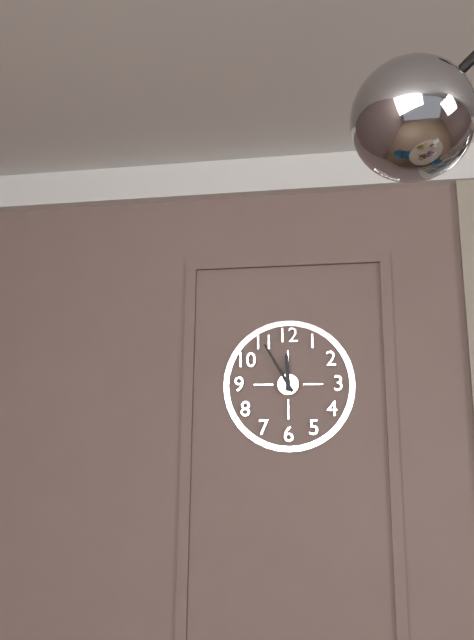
11:55
